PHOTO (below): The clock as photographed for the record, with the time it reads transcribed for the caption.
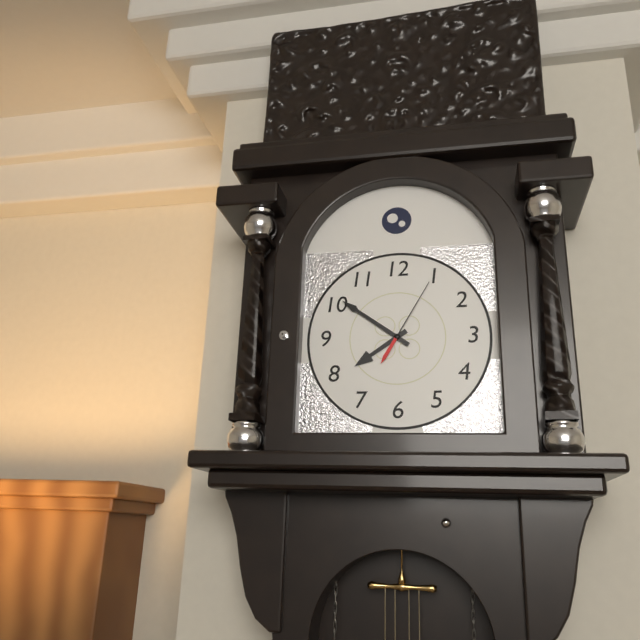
7:51:05
